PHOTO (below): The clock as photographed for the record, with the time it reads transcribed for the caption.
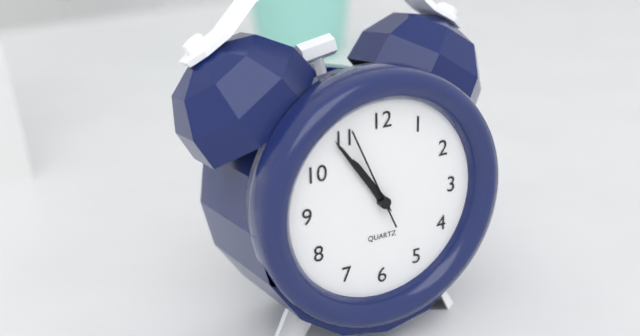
10:54:56
